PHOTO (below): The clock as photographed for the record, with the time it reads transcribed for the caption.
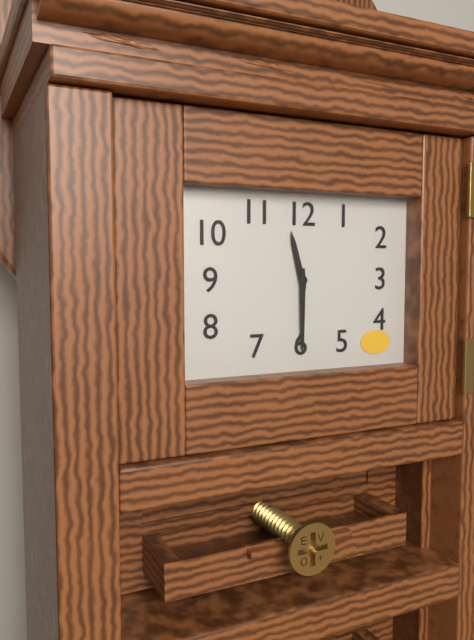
11:30
